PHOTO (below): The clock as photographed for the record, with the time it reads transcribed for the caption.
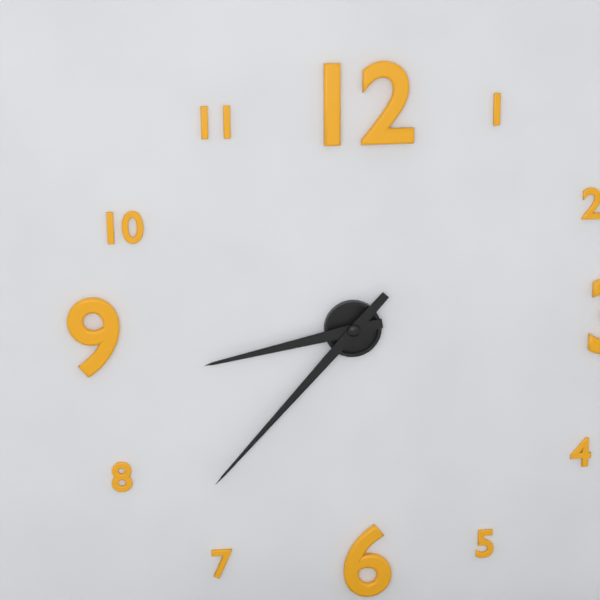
8:37
